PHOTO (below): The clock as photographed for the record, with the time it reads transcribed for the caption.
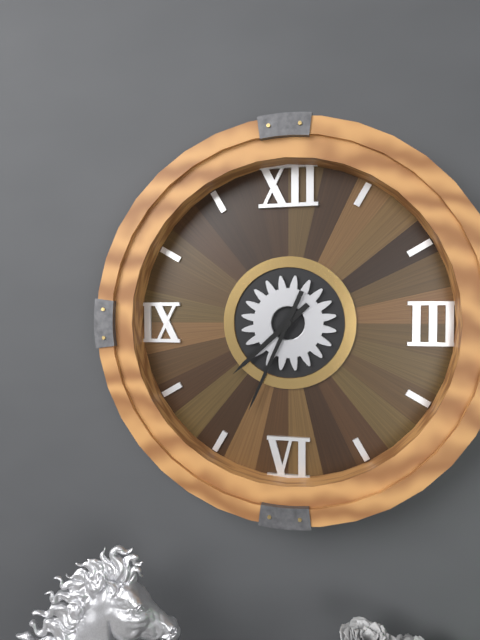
7:34
